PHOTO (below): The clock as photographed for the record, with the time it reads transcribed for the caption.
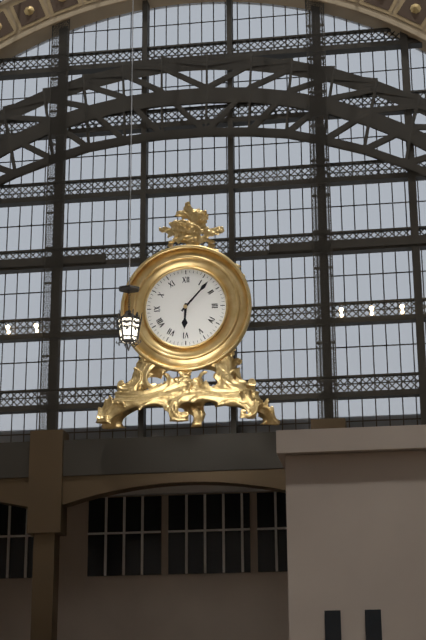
6:07
